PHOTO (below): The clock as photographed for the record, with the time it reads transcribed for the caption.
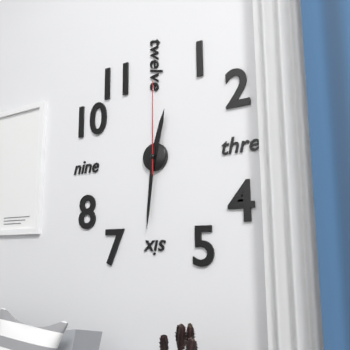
12:31:00
